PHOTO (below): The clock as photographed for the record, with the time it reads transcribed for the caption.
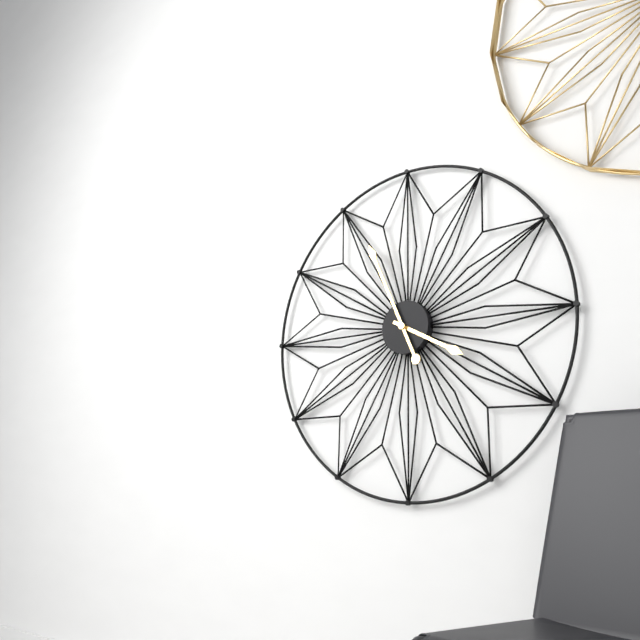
3:56
